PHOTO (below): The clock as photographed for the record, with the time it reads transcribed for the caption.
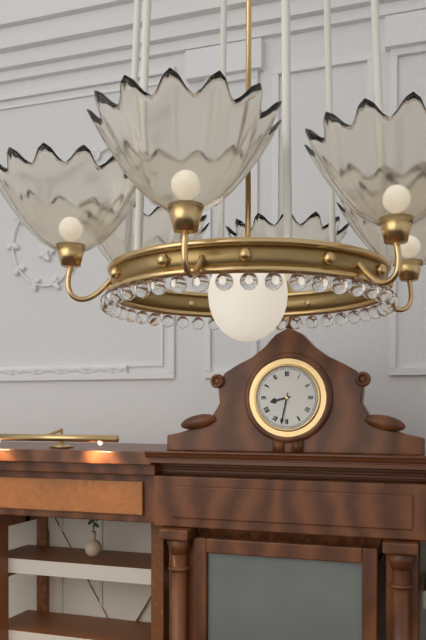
8:32
